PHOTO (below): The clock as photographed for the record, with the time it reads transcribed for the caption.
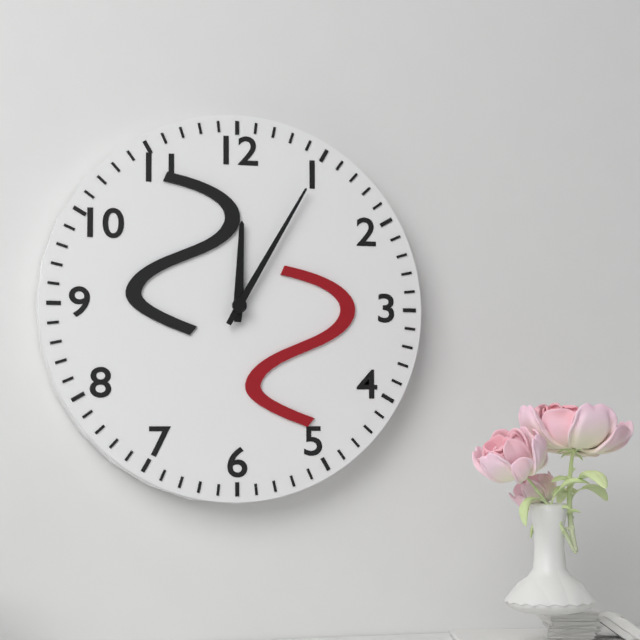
12:05
